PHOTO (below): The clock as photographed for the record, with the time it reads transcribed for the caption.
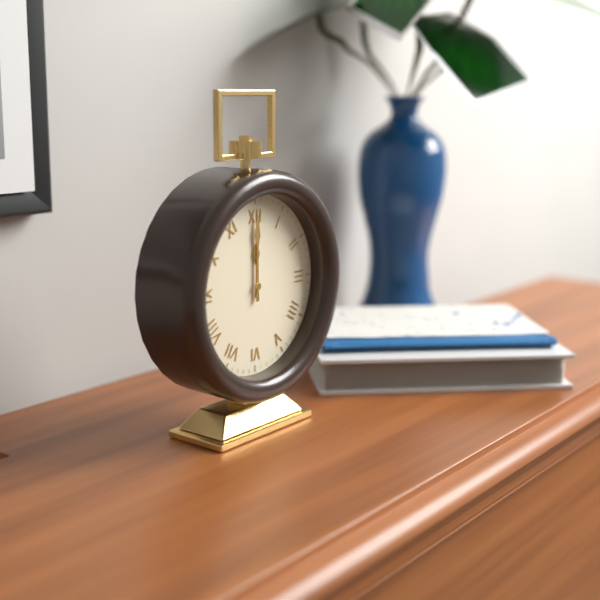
12:00
